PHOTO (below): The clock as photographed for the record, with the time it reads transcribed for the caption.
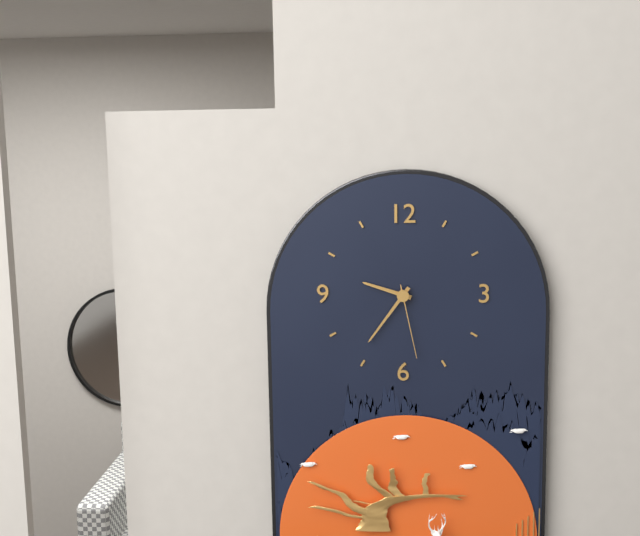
9:36:28
